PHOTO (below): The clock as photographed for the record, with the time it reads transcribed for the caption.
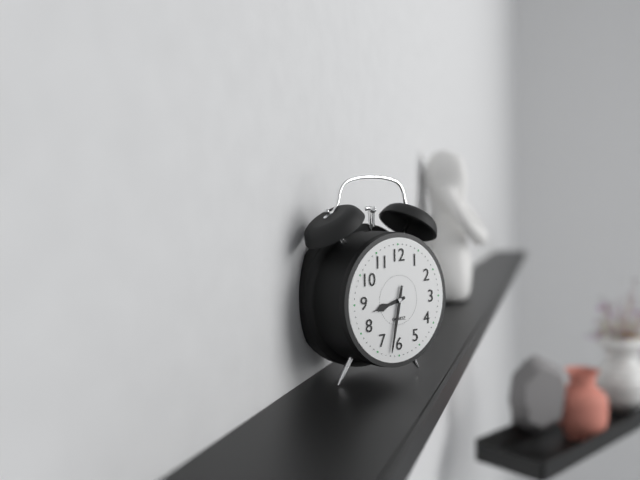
8:32
